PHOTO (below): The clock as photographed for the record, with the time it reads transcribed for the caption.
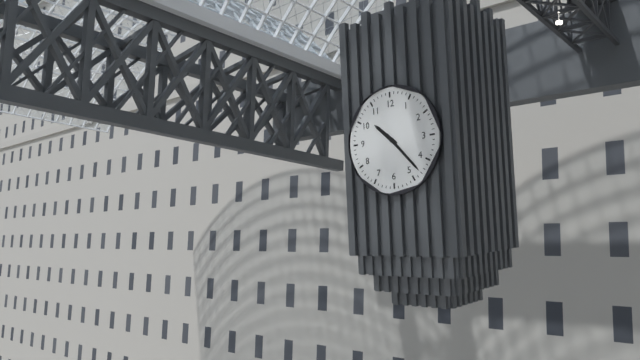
10:23
